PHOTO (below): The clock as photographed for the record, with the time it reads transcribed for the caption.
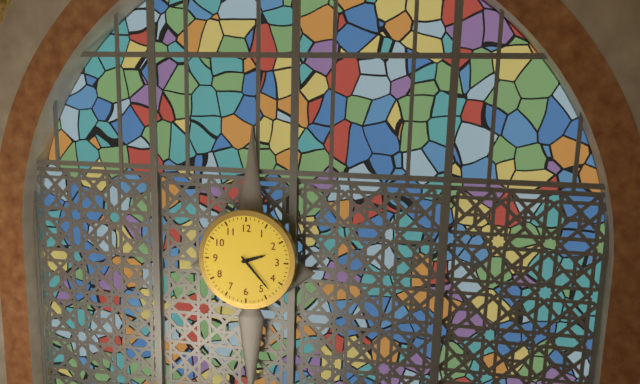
2:23
